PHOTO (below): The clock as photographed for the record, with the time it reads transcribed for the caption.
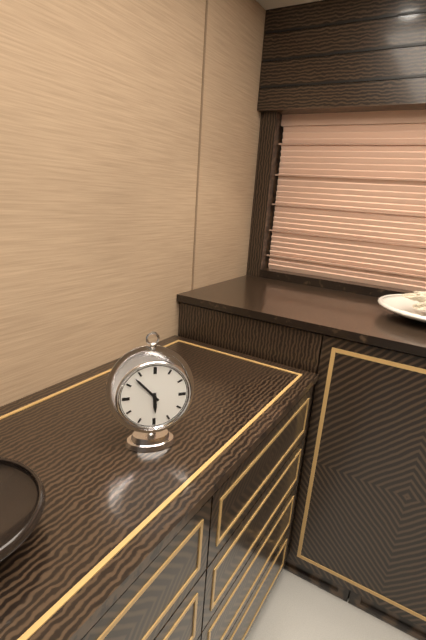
5:53
